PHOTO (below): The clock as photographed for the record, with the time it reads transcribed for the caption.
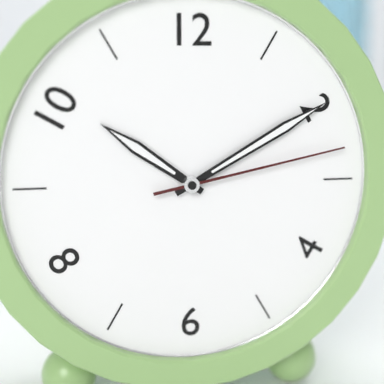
10:10:13
